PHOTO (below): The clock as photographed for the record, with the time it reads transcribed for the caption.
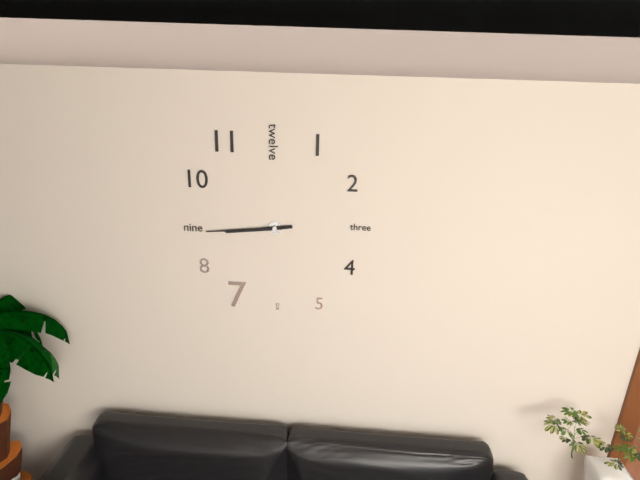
8:44
